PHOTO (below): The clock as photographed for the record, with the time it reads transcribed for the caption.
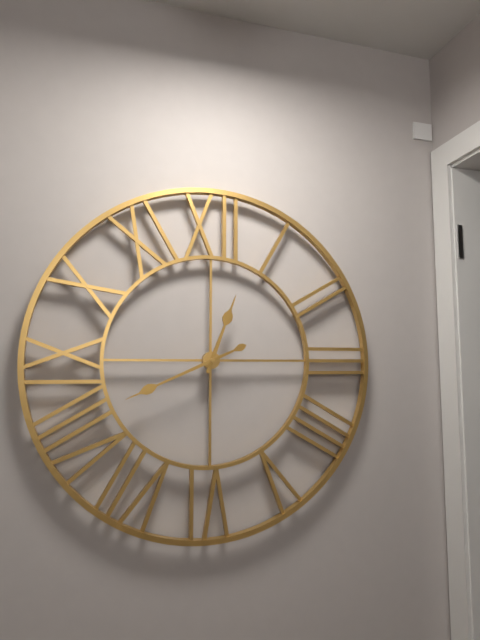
12:41
